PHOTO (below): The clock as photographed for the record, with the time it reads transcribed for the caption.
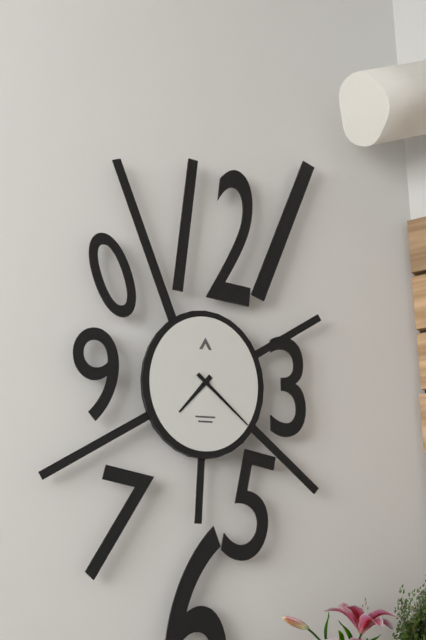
7:22
